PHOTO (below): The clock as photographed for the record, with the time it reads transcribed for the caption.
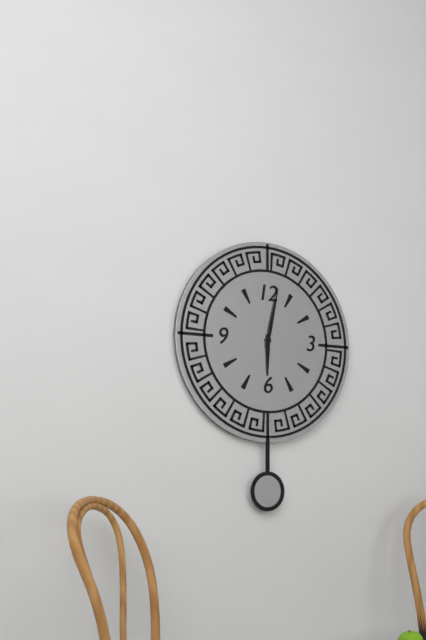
6:02
